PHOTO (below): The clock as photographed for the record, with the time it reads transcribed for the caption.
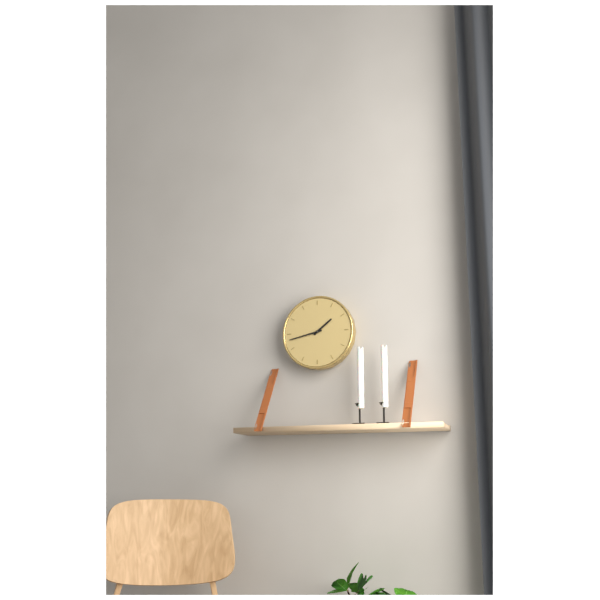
1:43
